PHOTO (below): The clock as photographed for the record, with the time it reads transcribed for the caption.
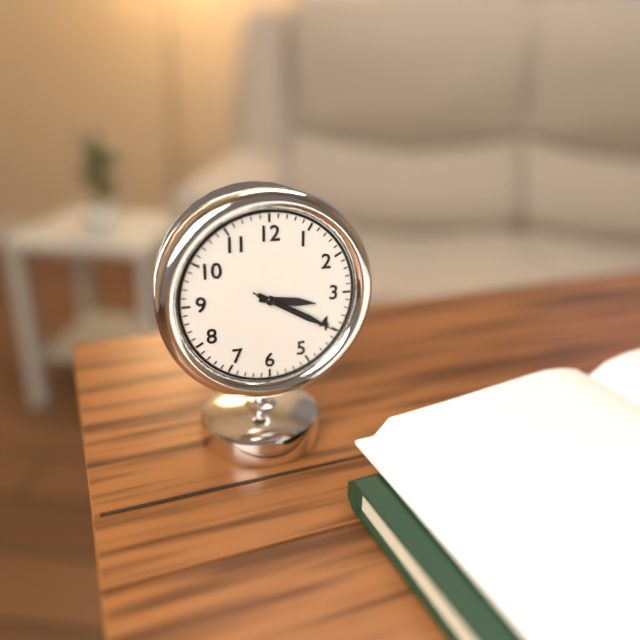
3:20:20
